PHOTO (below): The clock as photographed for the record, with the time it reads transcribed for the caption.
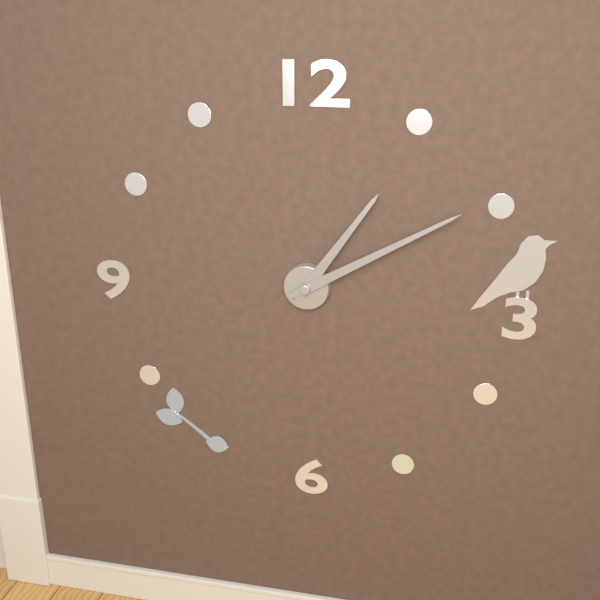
1:10
